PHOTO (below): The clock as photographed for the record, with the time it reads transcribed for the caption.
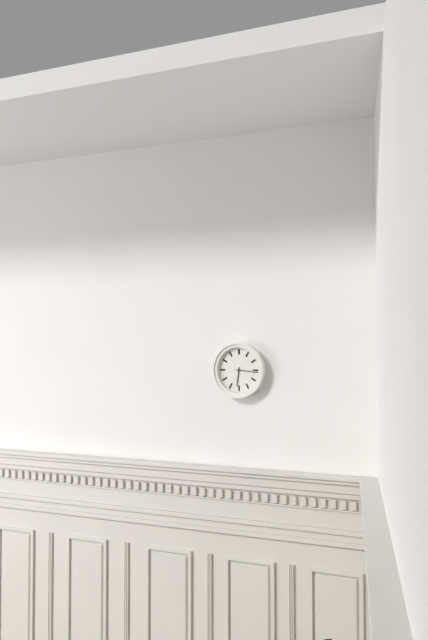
6:16
